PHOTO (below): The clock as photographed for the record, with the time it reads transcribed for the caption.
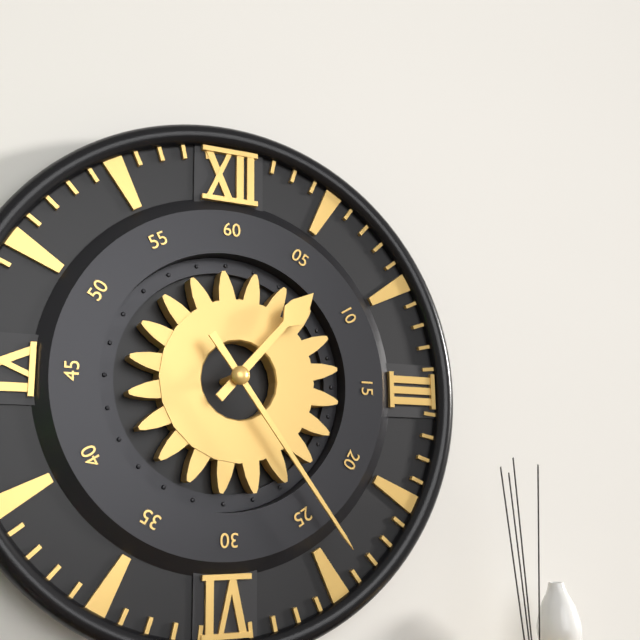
1:24
